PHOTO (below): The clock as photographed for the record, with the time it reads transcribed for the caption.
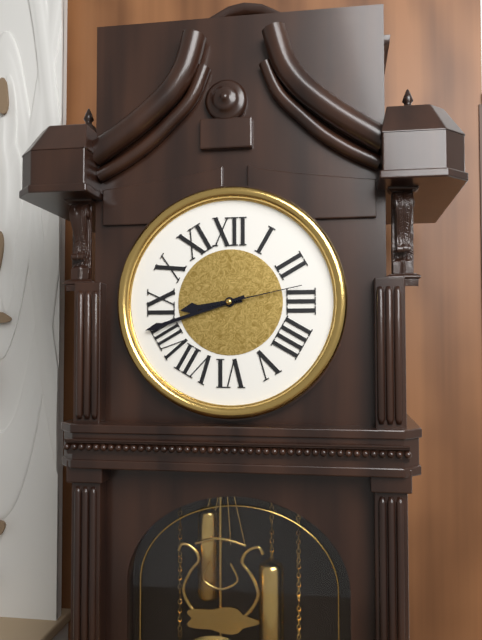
8:42:13
